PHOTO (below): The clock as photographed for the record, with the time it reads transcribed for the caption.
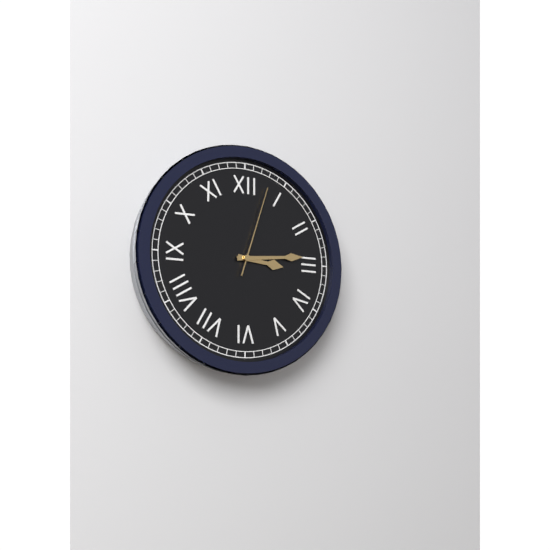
3:14:03
